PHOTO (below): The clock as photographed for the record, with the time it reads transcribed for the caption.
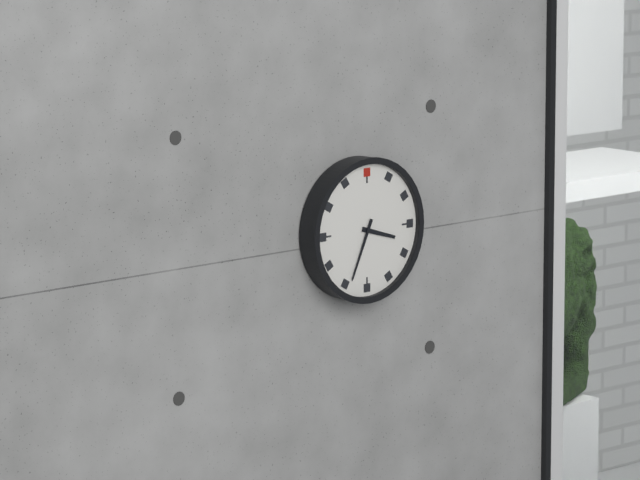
3:34
